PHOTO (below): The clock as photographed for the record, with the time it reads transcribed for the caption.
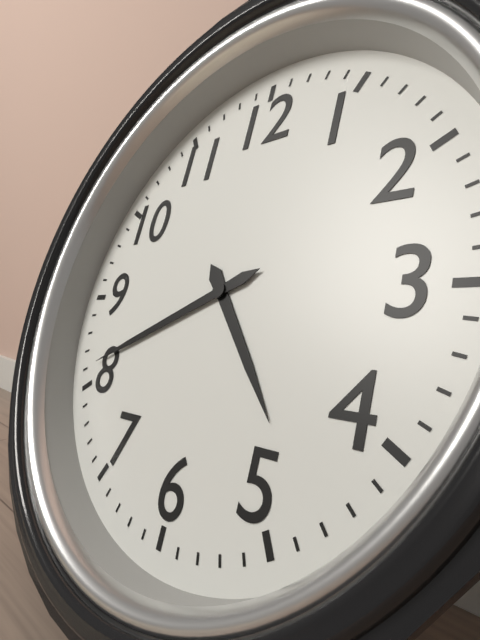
4:41
